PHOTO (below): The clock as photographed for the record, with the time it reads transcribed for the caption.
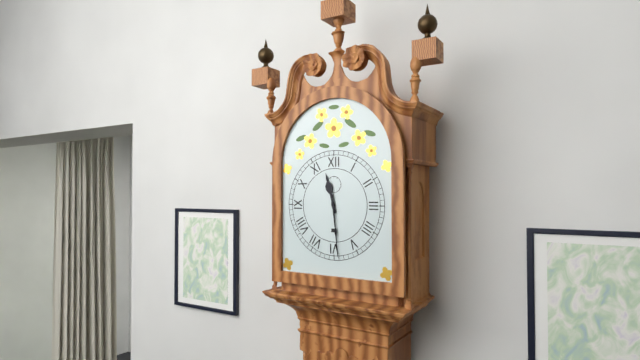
11:29
